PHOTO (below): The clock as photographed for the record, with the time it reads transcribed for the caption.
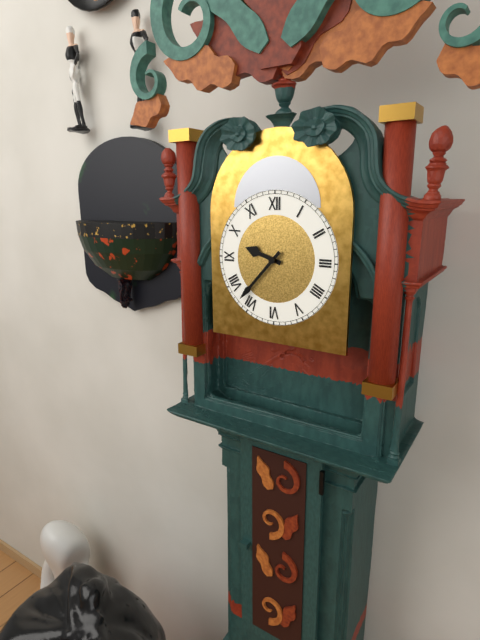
9:37
